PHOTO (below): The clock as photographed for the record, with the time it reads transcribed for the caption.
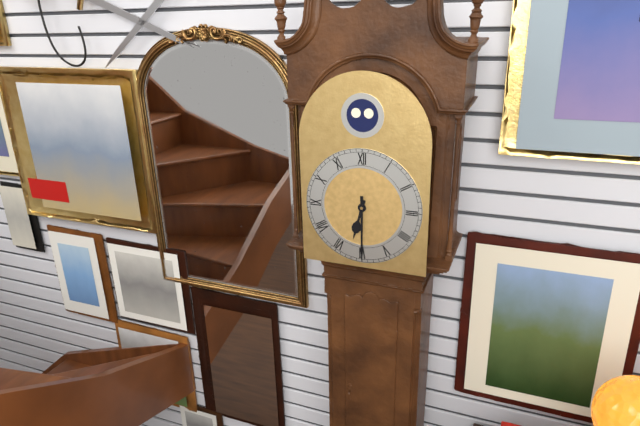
6:30
